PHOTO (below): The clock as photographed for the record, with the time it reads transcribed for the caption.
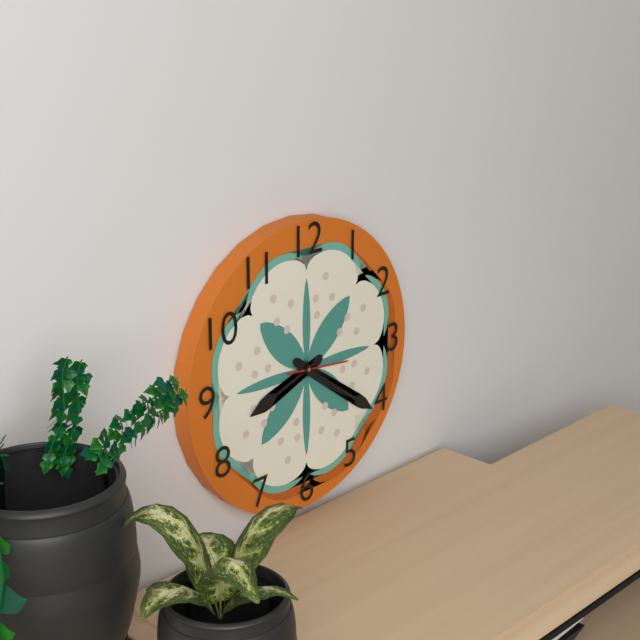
8:21:16
